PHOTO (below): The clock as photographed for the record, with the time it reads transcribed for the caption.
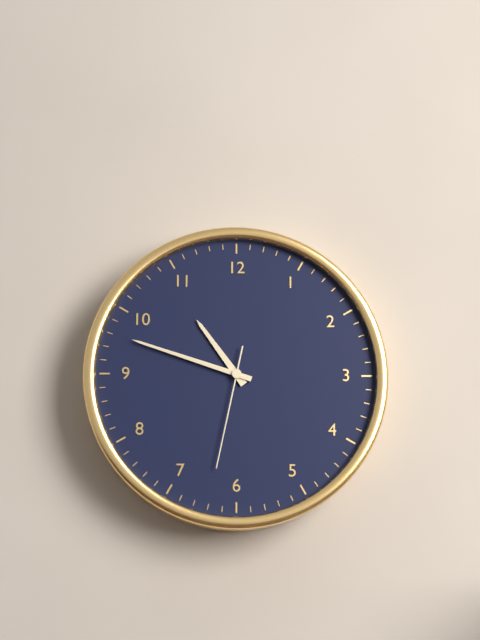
10:48:32
